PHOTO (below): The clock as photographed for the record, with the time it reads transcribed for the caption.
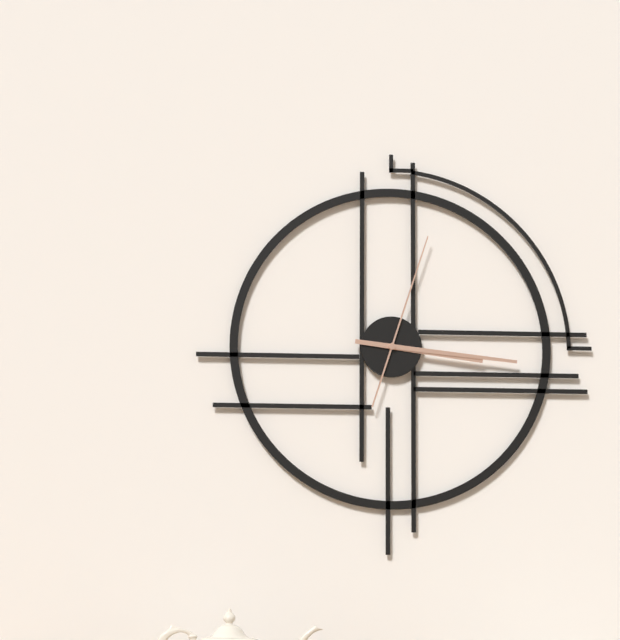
3:16:03
